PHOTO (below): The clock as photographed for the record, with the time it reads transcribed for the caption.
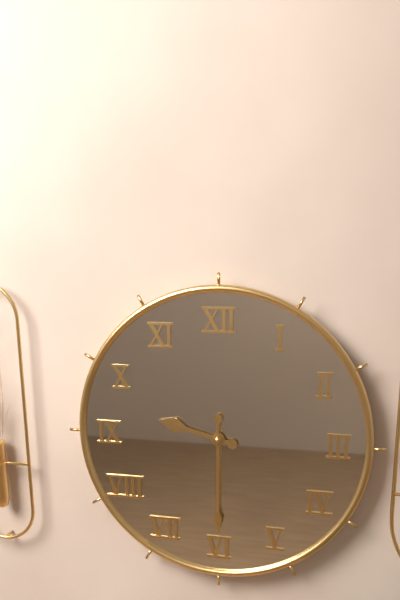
9:30
